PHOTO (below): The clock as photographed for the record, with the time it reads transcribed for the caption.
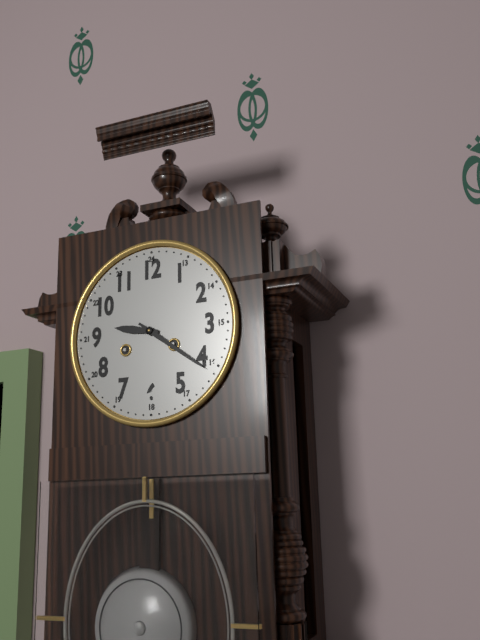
9:21
